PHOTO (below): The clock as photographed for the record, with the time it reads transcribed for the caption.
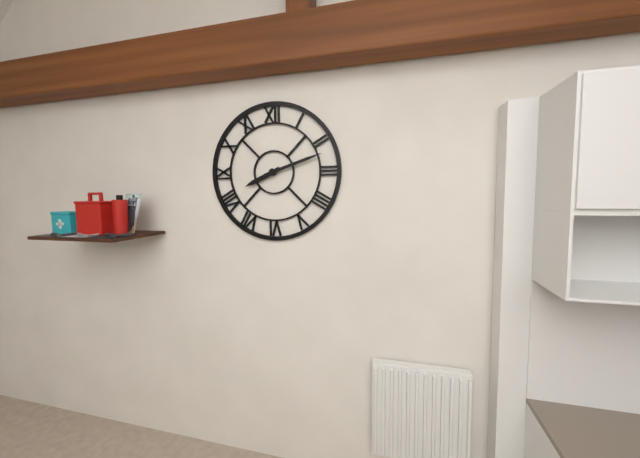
8:12
